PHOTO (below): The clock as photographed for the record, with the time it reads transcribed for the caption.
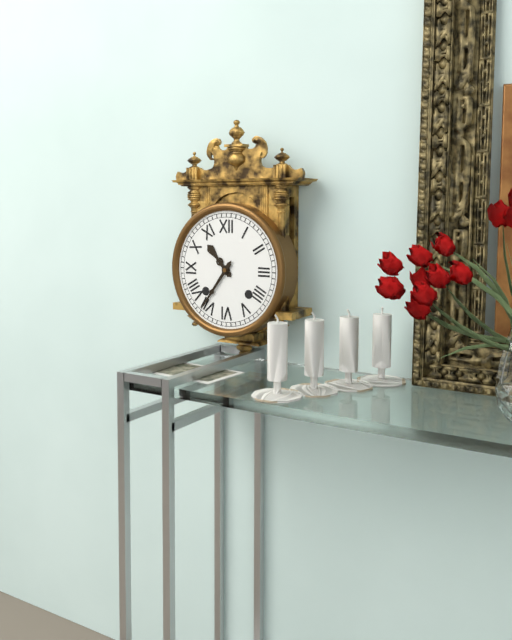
10:36
